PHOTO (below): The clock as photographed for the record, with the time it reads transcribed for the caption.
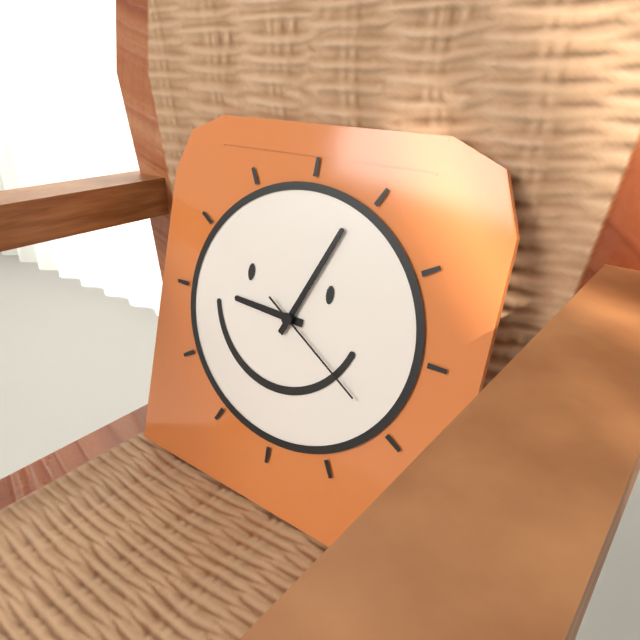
9:04:20
